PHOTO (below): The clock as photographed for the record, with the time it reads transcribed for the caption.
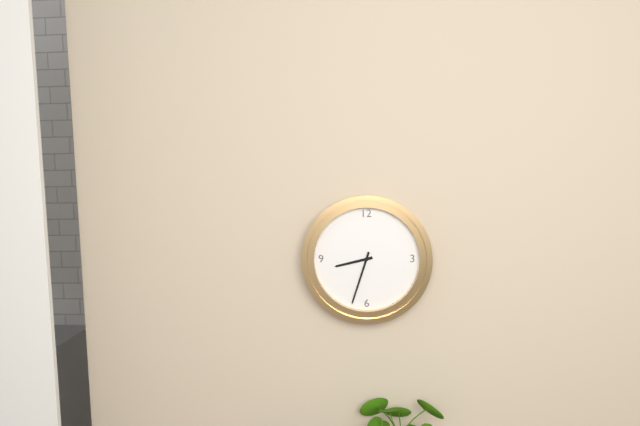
8:33
